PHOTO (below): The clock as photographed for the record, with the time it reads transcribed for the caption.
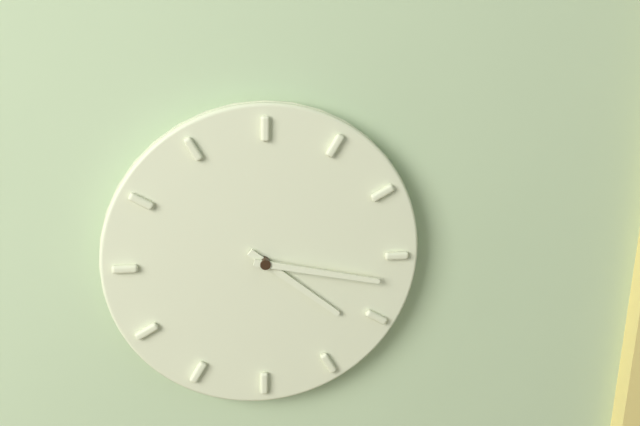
4:17
